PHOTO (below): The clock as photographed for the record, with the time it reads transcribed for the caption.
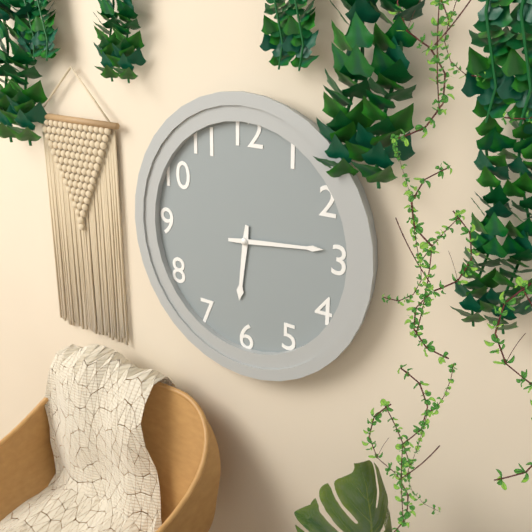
6:14
